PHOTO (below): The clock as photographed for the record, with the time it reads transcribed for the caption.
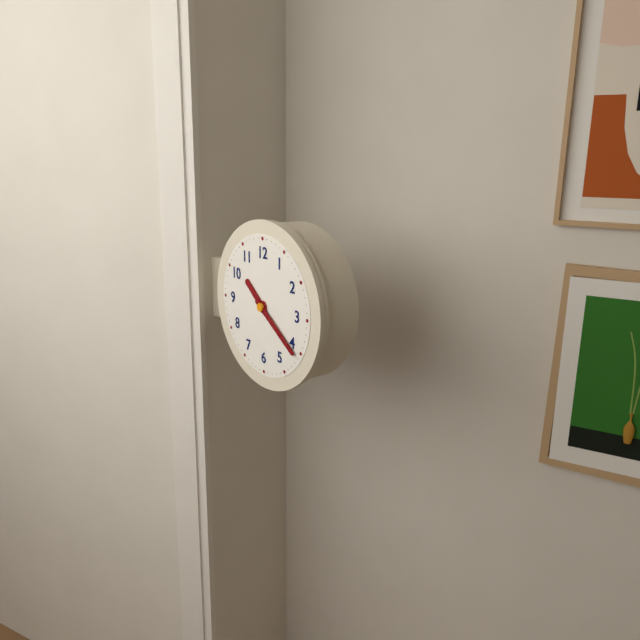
10:21
